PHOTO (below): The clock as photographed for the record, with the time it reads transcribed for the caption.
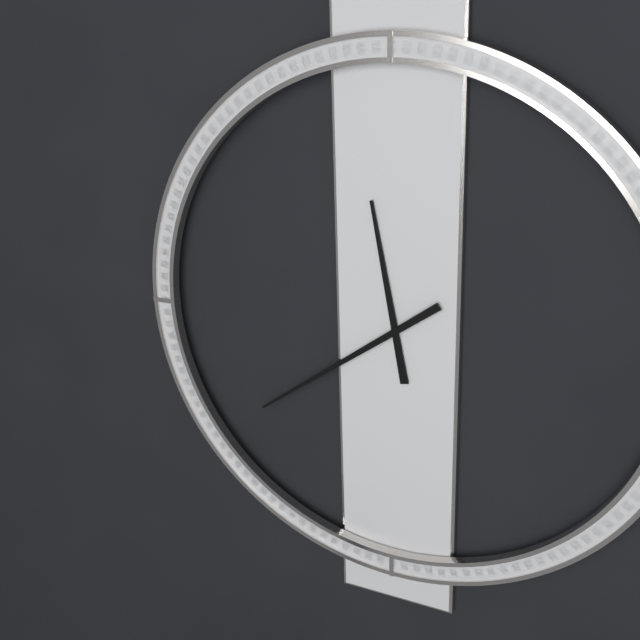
11:39
